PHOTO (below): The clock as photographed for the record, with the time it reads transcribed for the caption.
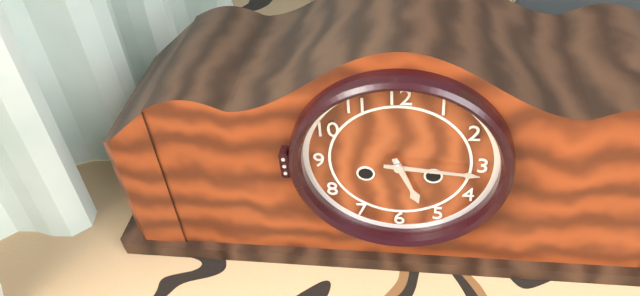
5:16
